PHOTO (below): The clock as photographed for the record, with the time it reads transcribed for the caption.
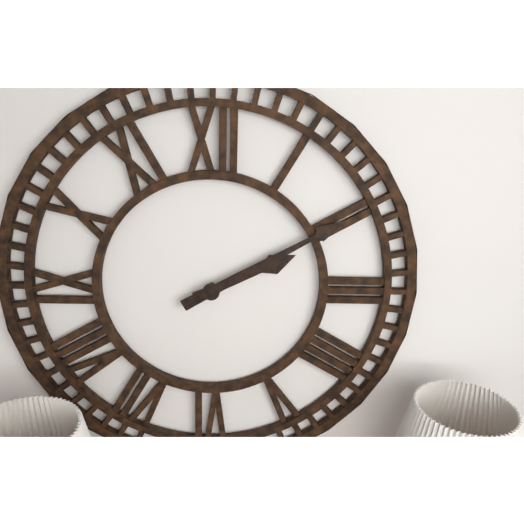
2:10
